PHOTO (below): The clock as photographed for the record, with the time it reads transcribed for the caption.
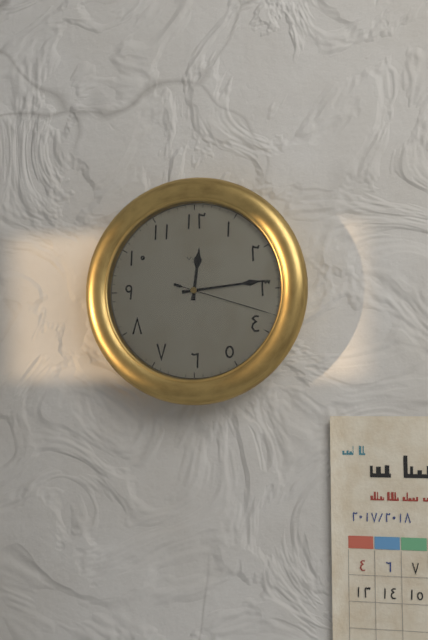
12:14:18
